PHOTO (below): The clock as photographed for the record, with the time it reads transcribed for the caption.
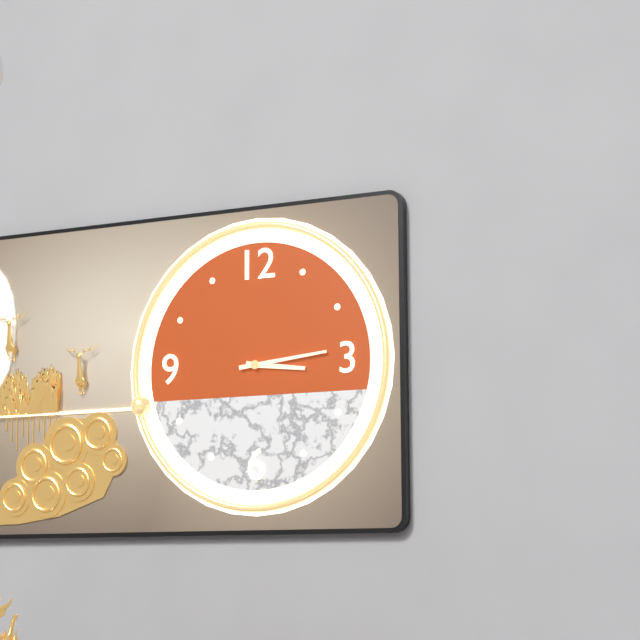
3:14
